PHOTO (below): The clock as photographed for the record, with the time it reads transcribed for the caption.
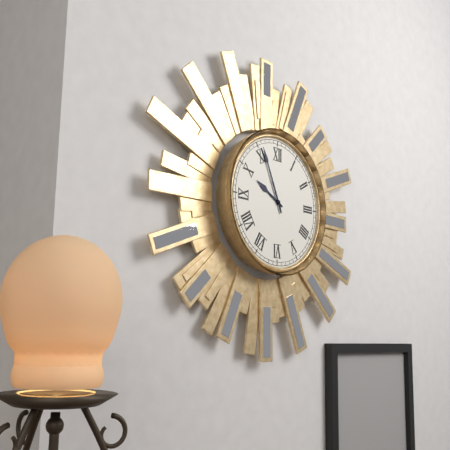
9:56
